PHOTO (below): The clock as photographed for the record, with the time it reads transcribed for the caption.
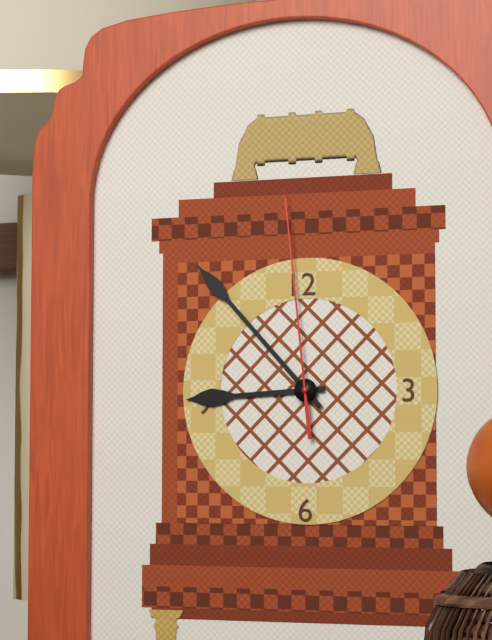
8:53:59
